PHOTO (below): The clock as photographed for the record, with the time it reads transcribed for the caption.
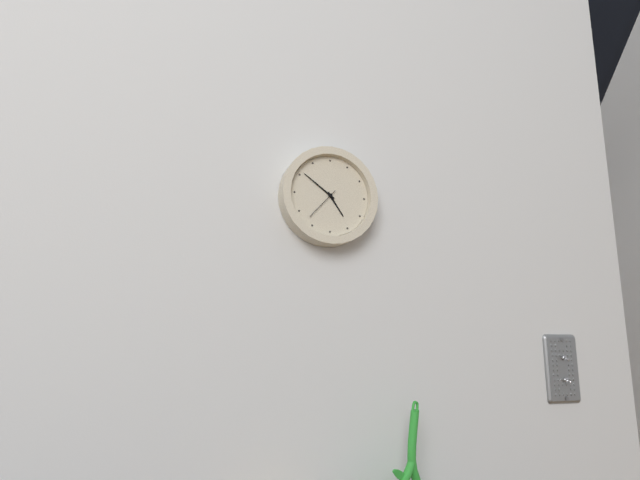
4:51
